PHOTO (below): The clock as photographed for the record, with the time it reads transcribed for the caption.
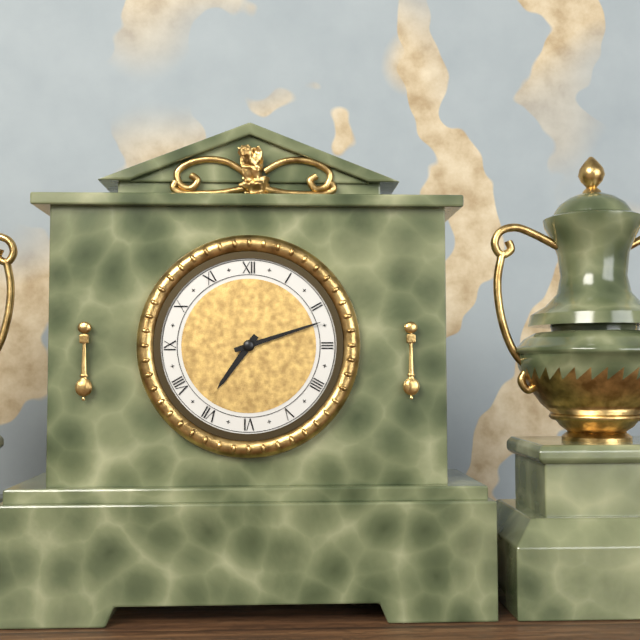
7:12
